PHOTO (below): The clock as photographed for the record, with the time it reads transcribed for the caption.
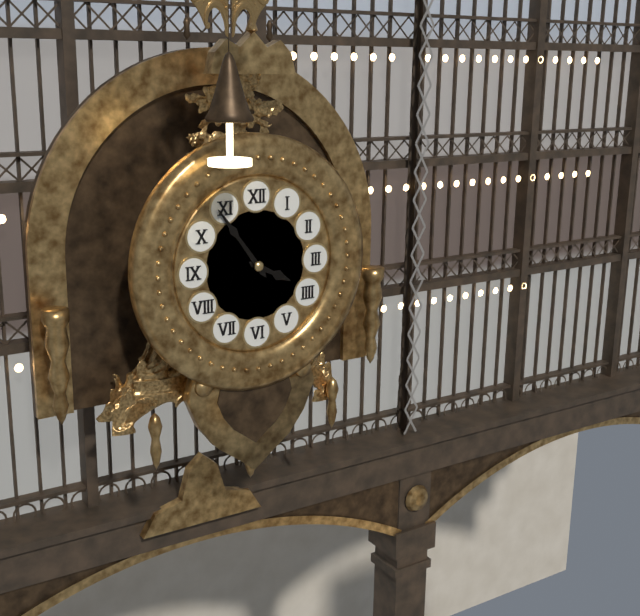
3:54
